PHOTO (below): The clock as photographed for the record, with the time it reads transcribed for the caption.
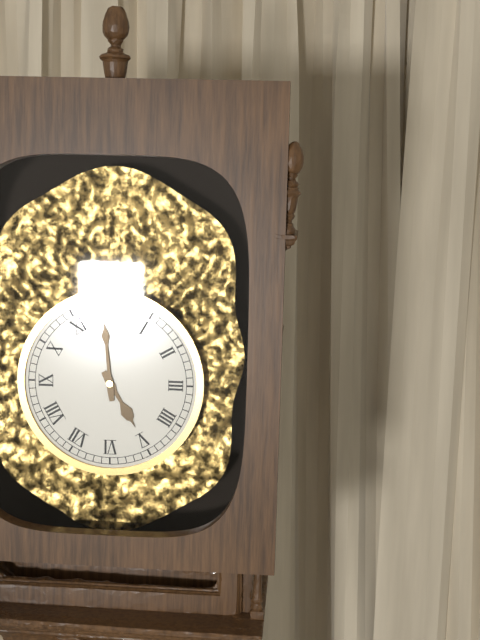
4:59
